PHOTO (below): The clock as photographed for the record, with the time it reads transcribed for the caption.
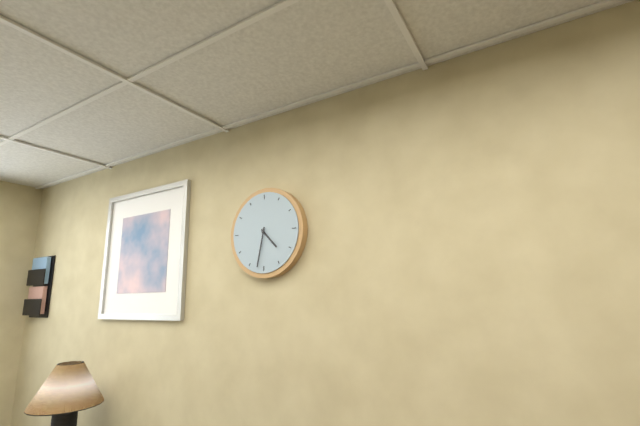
4:32
